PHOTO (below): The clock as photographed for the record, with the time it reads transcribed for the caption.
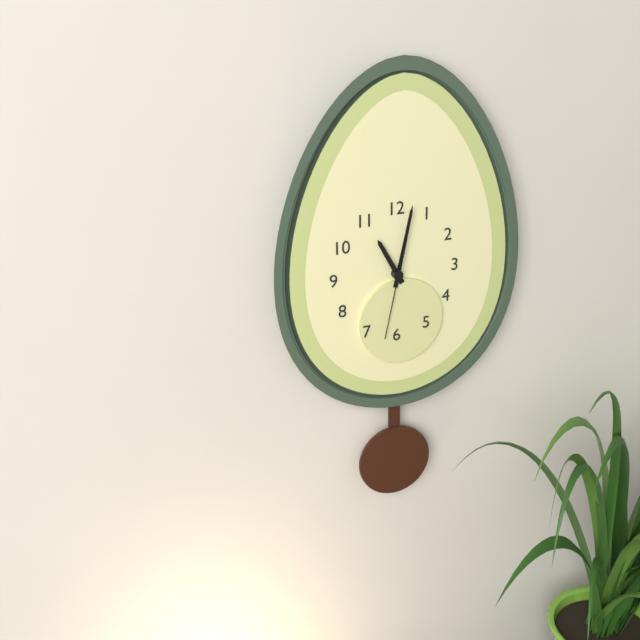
11:02:32
